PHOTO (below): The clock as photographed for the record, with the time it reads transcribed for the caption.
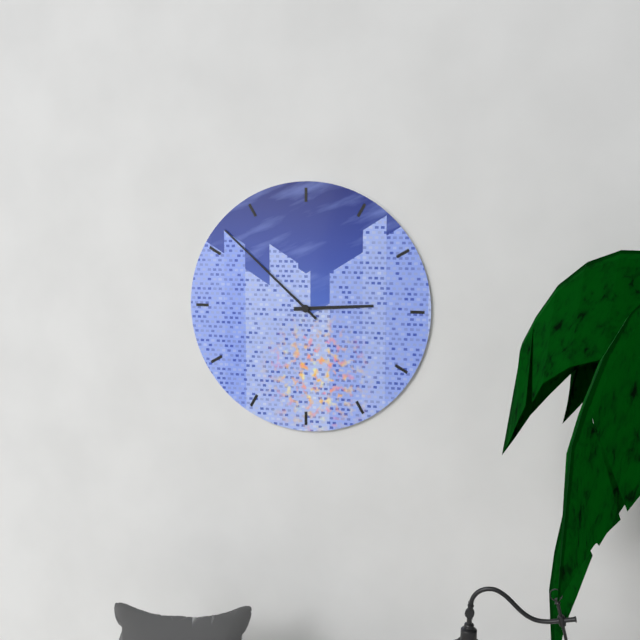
2:52
